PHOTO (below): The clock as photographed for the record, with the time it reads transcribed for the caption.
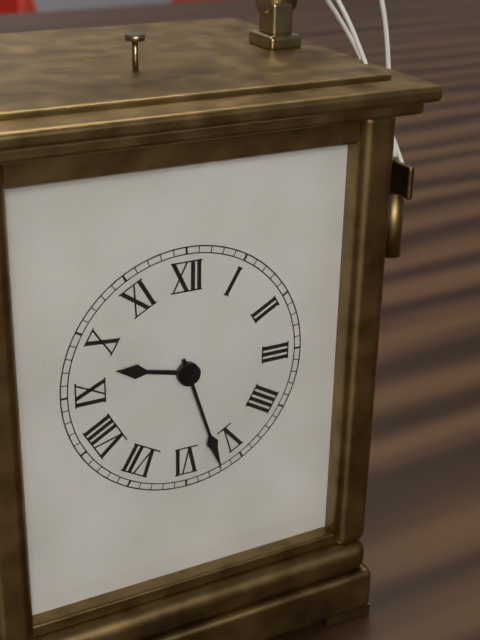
9:27
